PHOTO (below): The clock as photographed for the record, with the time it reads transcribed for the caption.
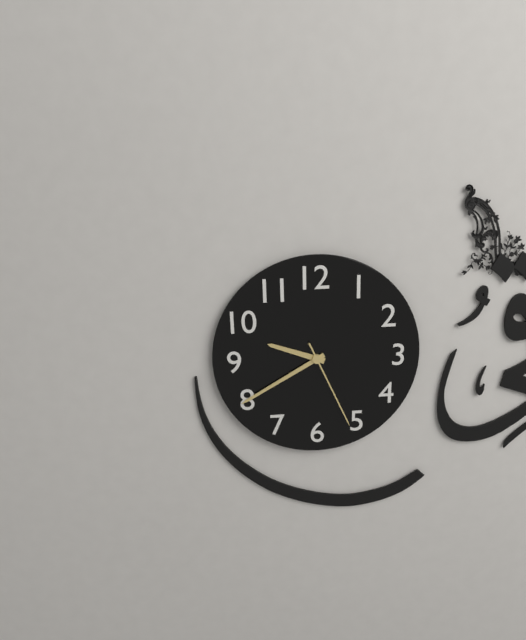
9:40:26
